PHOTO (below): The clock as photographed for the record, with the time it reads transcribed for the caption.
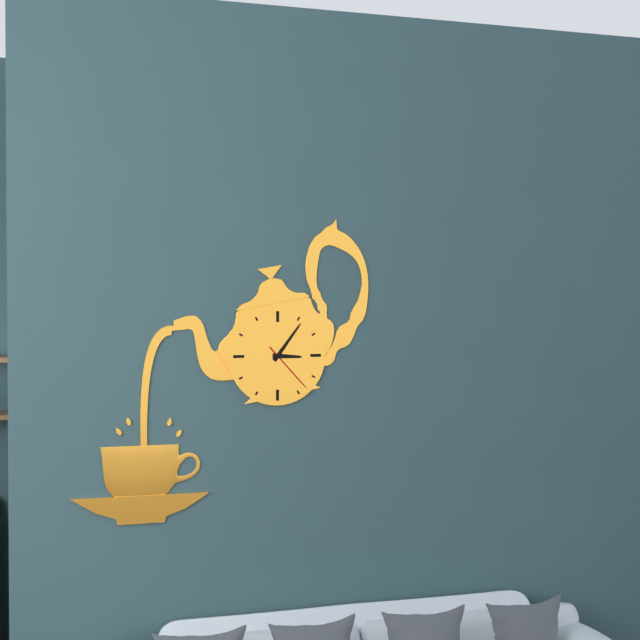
3:06:23
